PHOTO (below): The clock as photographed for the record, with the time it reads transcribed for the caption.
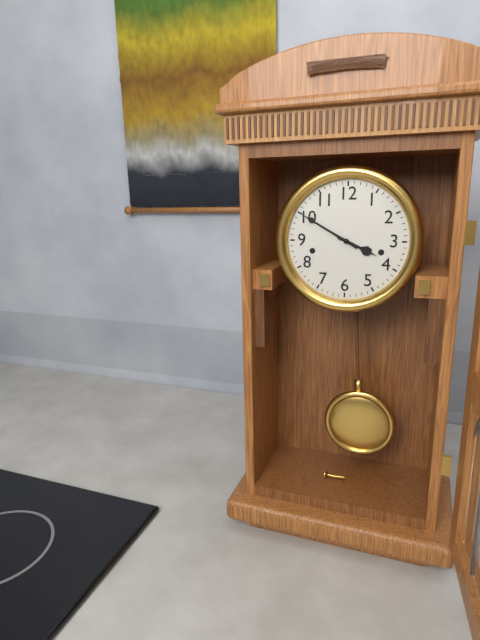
3:50
